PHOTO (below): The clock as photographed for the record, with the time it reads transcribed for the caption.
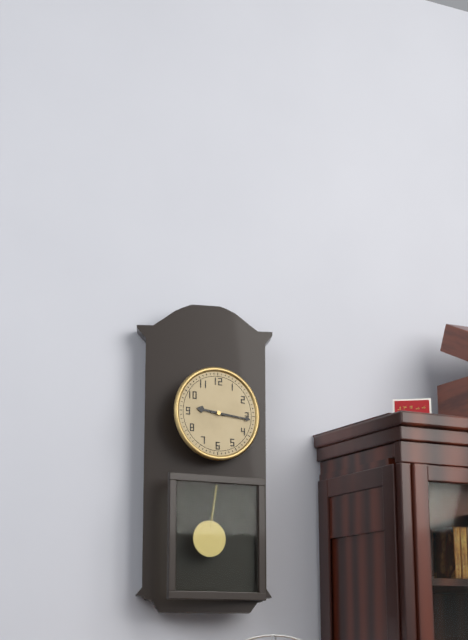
9:16
